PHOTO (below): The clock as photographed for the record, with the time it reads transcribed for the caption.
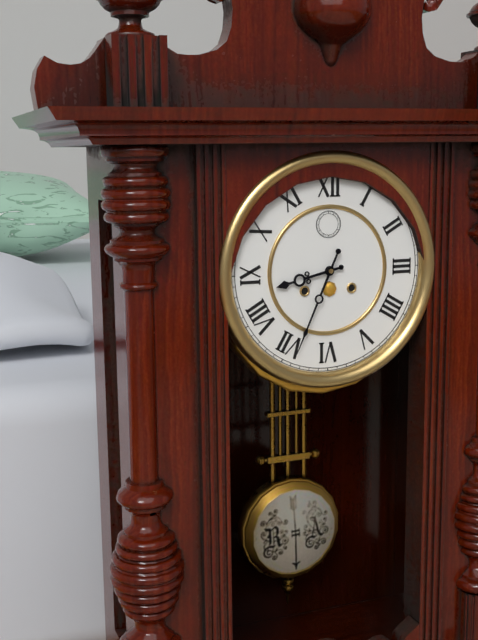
8:34
